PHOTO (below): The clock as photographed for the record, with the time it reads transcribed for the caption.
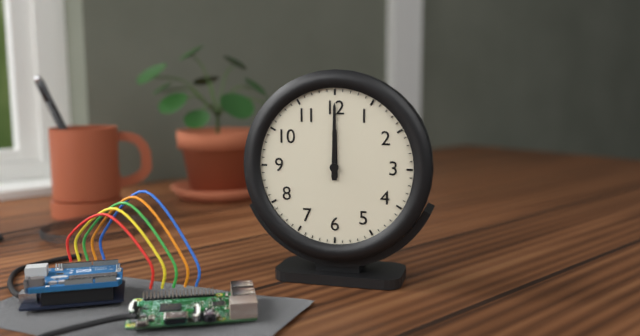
12:00
